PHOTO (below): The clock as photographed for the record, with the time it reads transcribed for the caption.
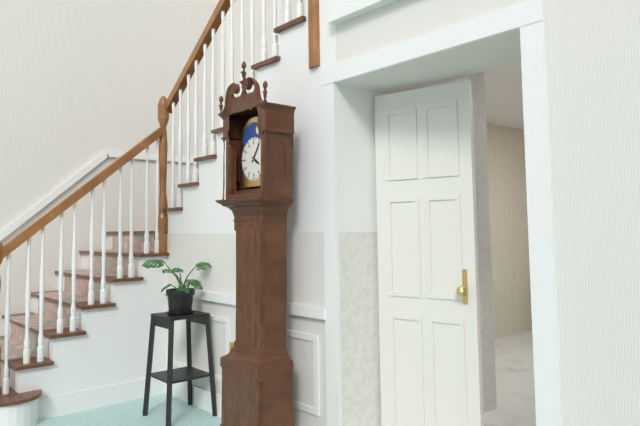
4:06
